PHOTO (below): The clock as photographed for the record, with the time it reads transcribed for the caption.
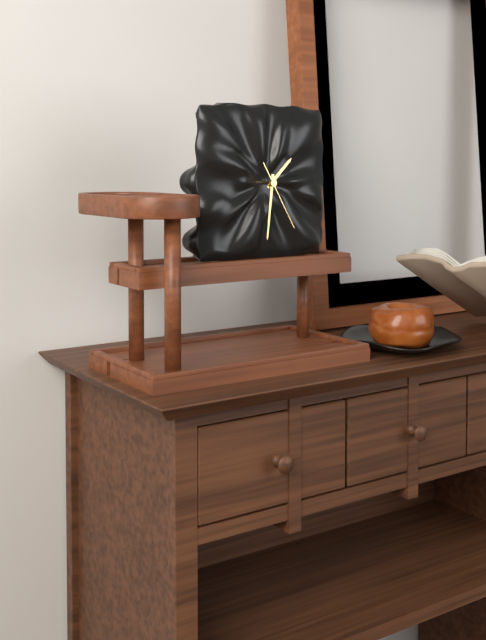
1:31:25
